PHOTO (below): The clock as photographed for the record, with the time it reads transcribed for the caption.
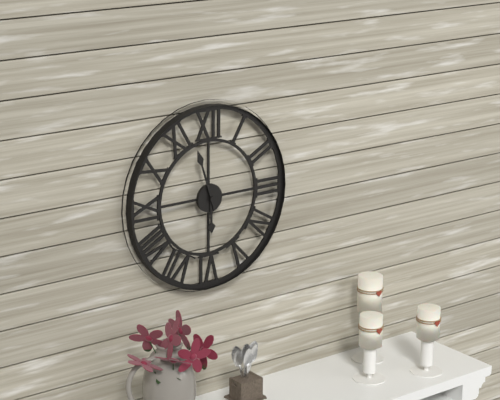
5:57
